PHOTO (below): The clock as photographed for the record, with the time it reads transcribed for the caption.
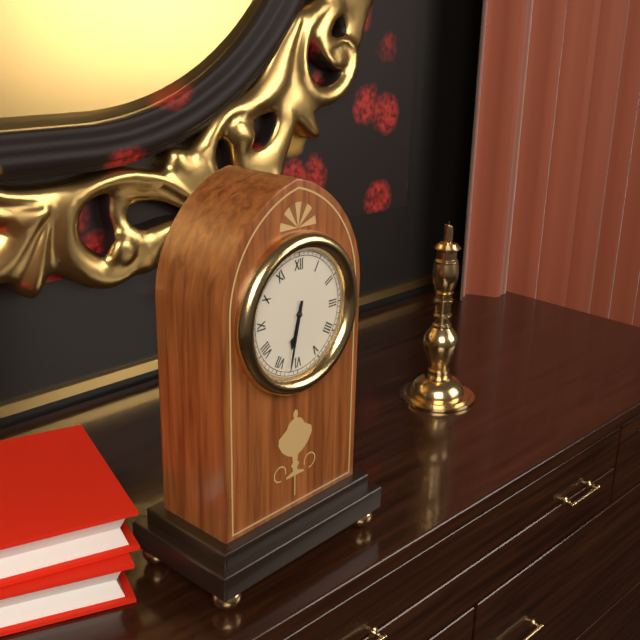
6:32
